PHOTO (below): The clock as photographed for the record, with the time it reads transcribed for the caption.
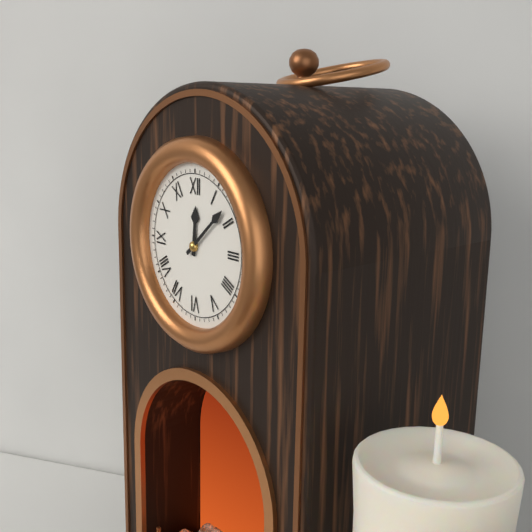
12:08
